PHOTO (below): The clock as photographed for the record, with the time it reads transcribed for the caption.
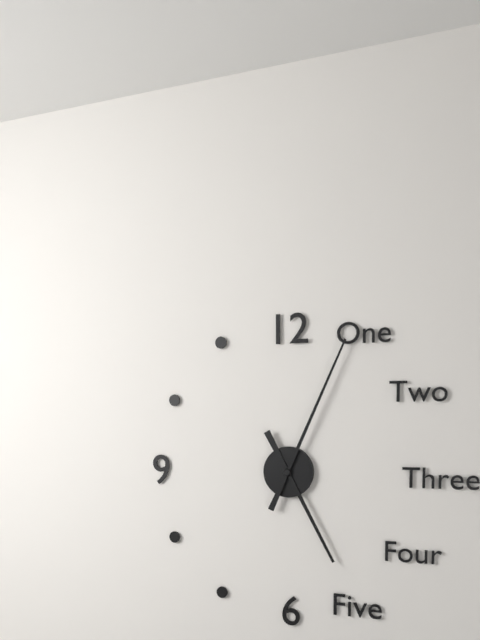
5:04
